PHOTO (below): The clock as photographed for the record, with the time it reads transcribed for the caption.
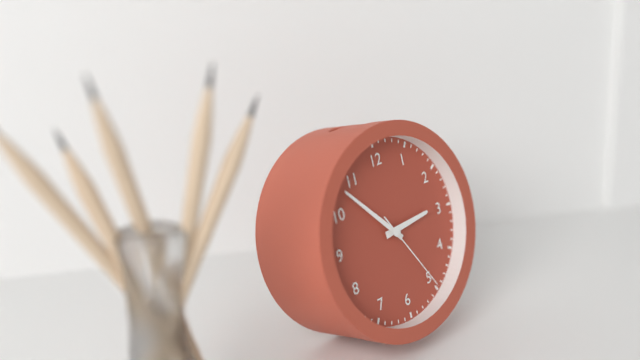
2:53:25
